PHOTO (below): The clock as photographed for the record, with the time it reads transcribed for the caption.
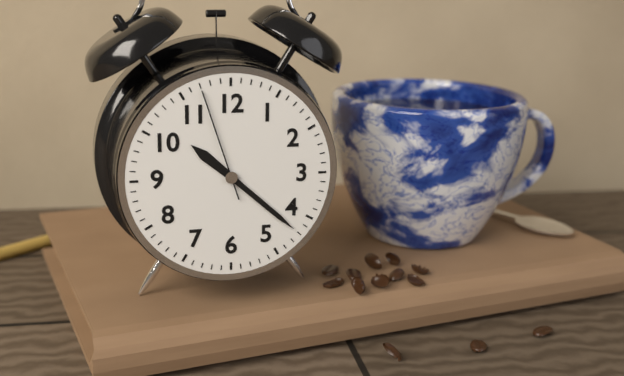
10:22:57
